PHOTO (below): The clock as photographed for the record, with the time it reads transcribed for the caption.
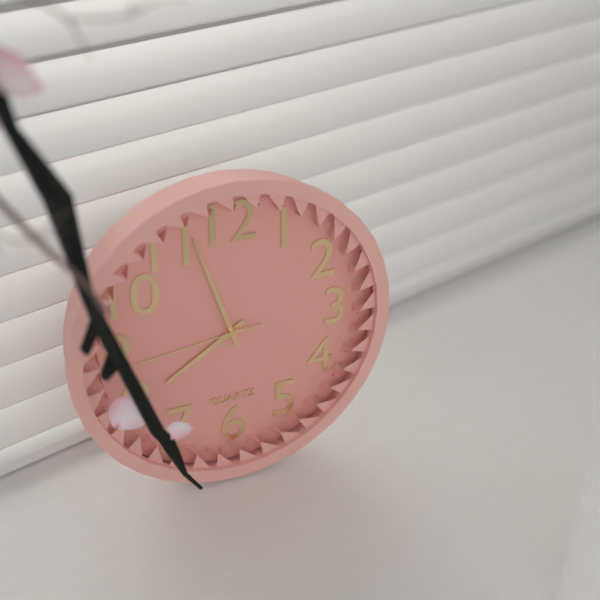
7:57:44
